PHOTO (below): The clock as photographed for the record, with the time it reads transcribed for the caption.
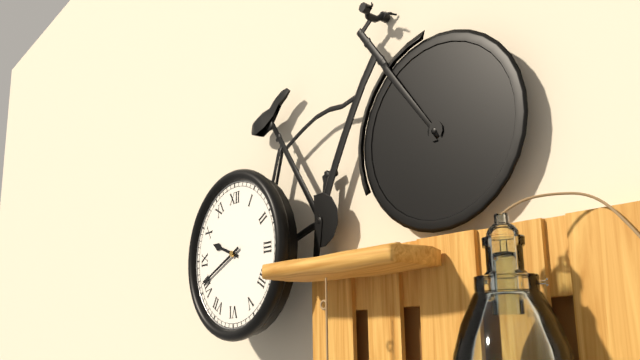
9:41
